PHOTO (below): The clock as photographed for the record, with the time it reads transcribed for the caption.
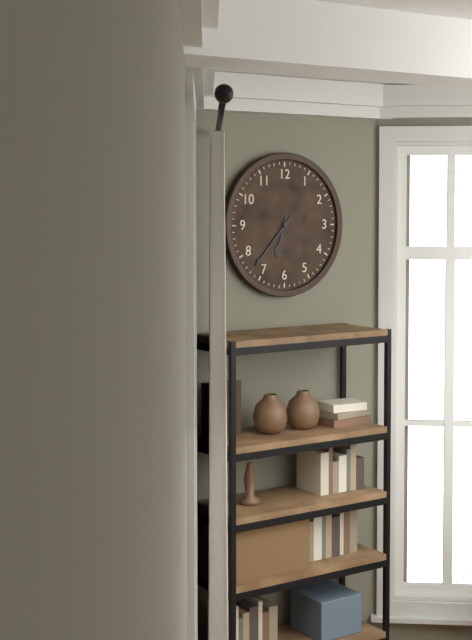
6:37
